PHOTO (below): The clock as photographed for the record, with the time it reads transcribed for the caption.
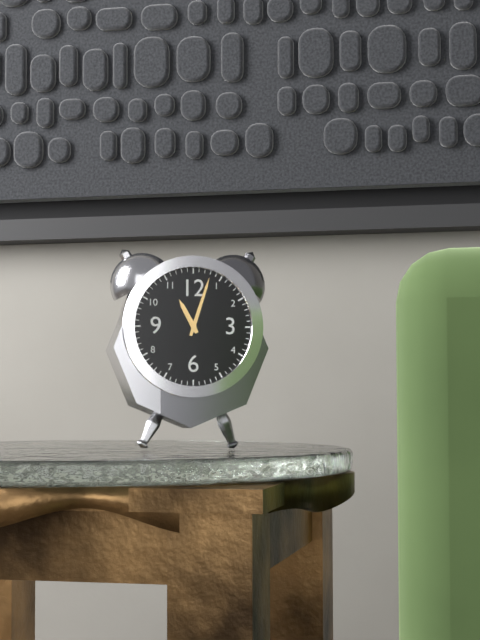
11:03
